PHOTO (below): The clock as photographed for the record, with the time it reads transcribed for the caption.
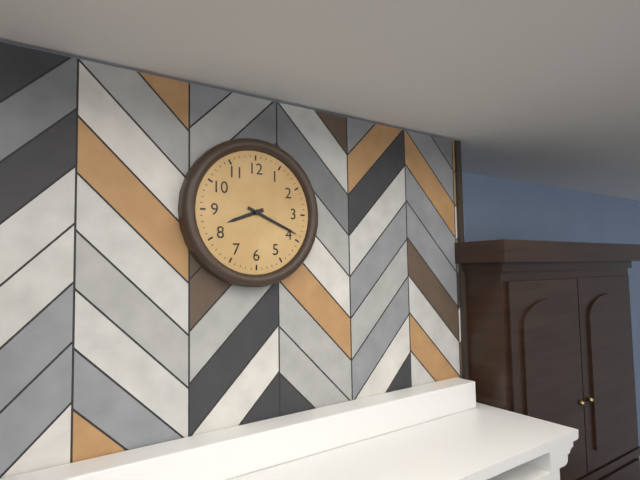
8:19
